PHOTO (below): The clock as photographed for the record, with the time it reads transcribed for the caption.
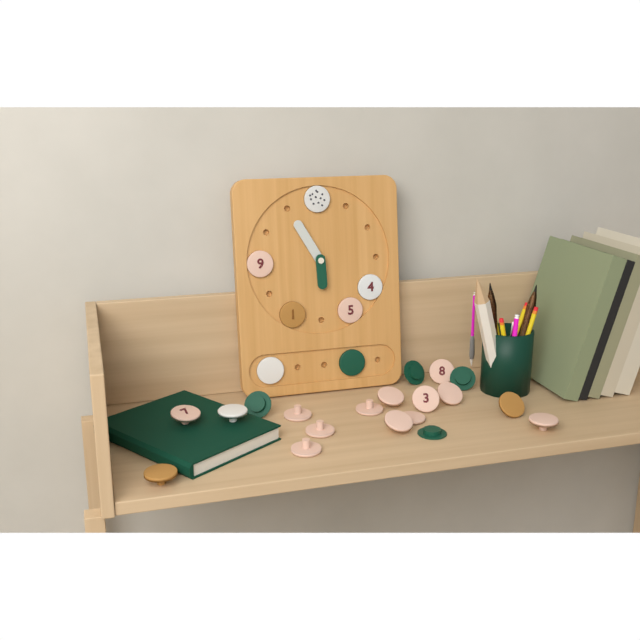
5:55
